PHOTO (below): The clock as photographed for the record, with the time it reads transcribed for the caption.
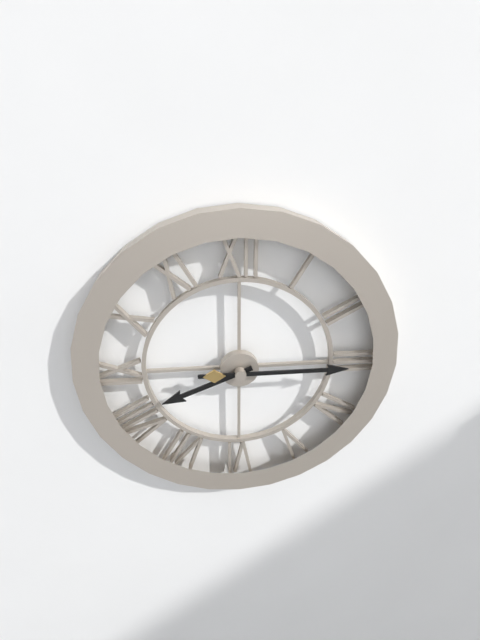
8:15
